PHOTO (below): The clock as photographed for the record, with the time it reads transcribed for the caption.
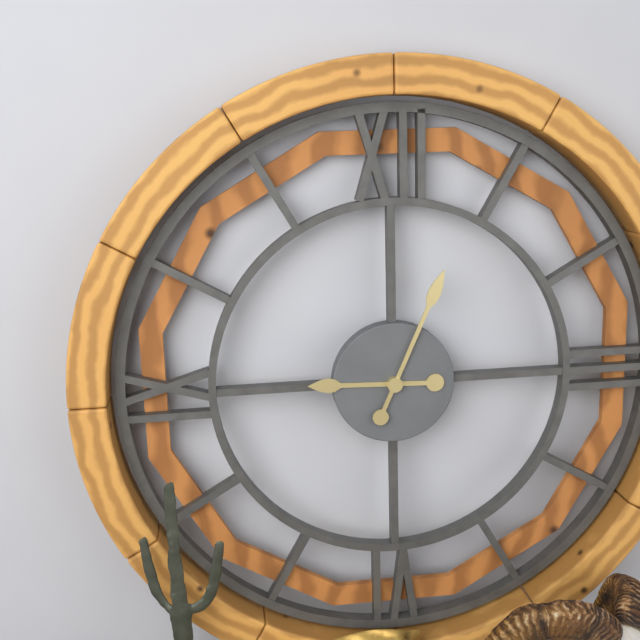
9:04
